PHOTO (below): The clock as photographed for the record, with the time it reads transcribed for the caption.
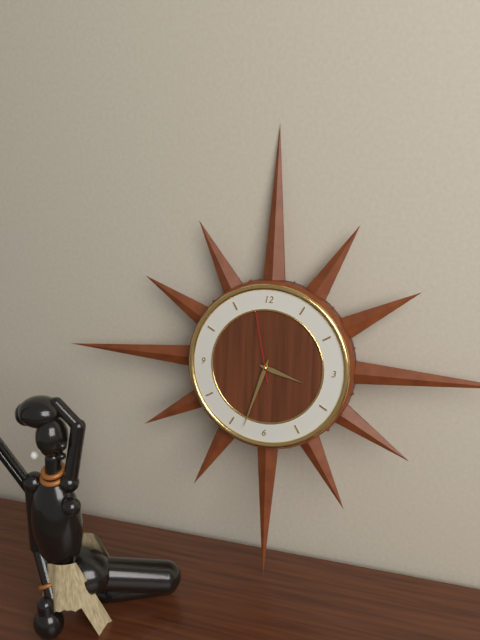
3:33:58
